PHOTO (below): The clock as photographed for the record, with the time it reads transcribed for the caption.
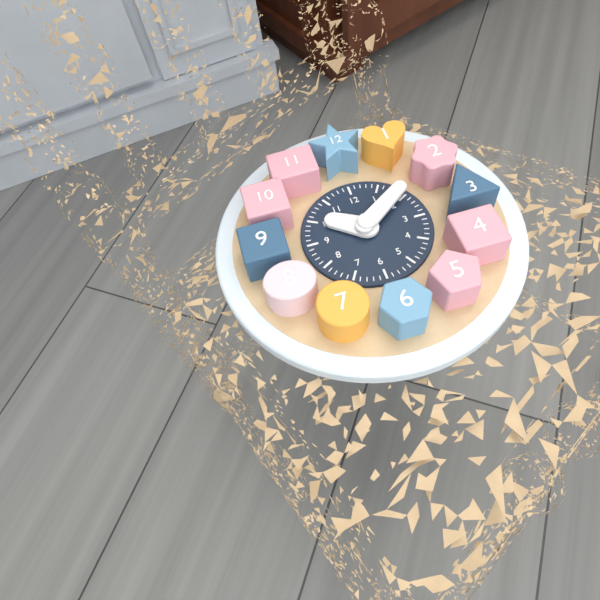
10:09
